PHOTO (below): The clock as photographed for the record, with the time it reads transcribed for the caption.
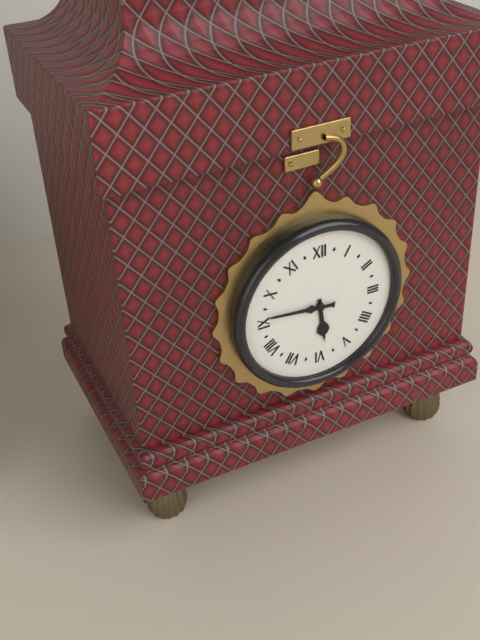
5:46
